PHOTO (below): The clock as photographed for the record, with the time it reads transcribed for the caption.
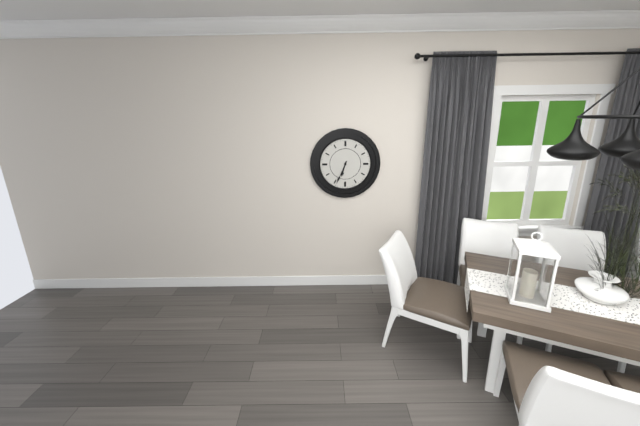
6:34
